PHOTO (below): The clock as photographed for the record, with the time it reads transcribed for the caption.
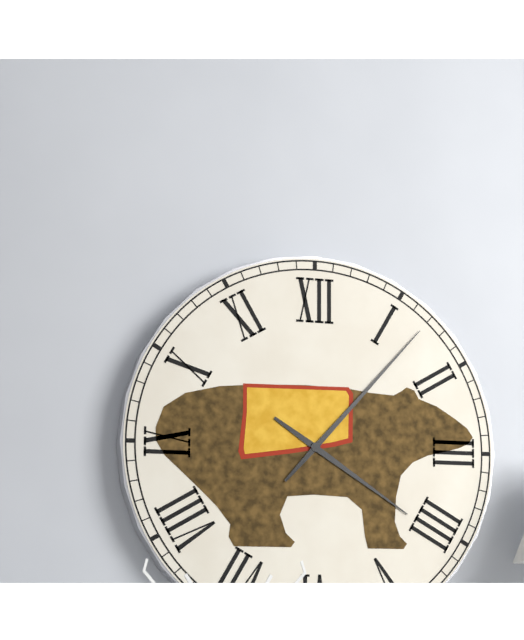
4:07
